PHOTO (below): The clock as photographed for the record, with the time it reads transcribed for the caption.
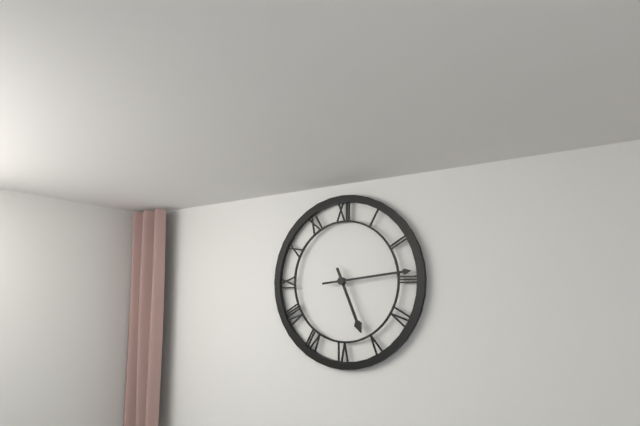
5:14
